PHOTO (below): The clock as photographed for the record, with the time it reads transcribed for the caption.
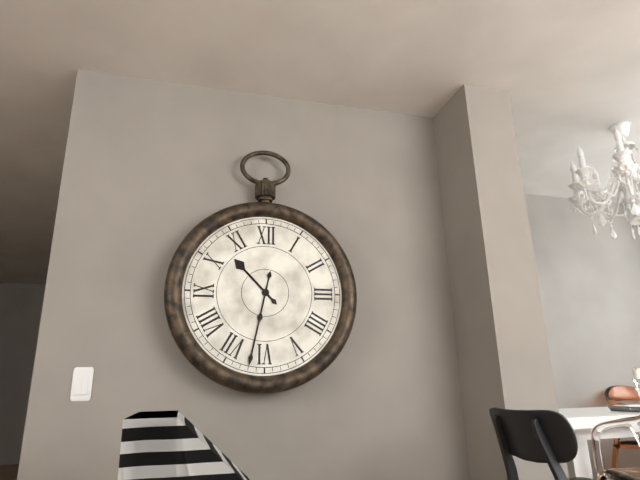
10:32
